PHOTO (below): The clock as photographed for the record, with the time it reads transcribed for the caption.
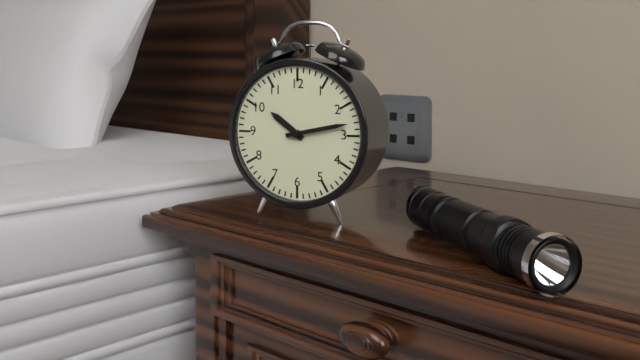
10:13
